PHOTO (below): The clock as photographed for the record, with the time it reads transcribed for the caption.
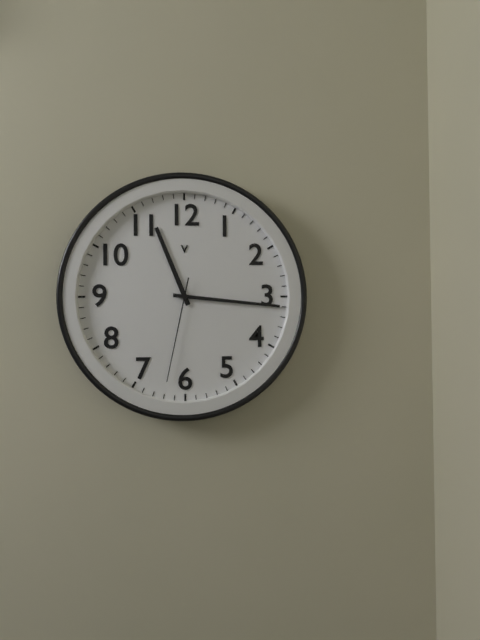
11:16:32
